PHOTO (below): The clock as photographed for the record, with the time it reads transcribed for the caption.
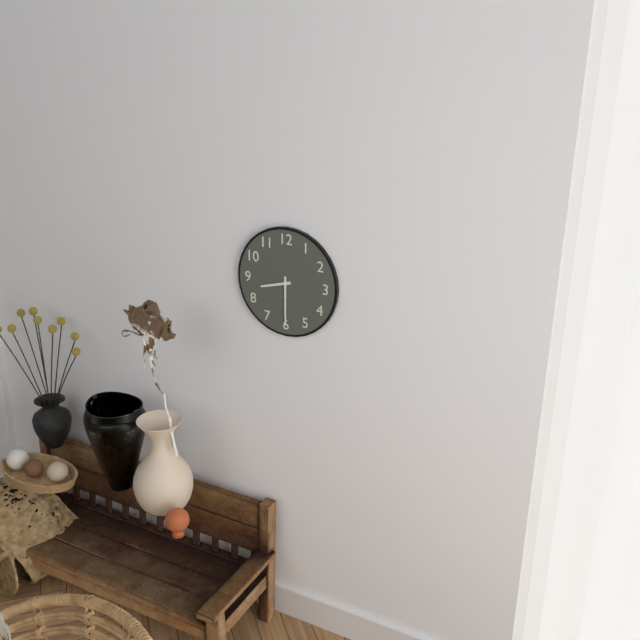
8:30
